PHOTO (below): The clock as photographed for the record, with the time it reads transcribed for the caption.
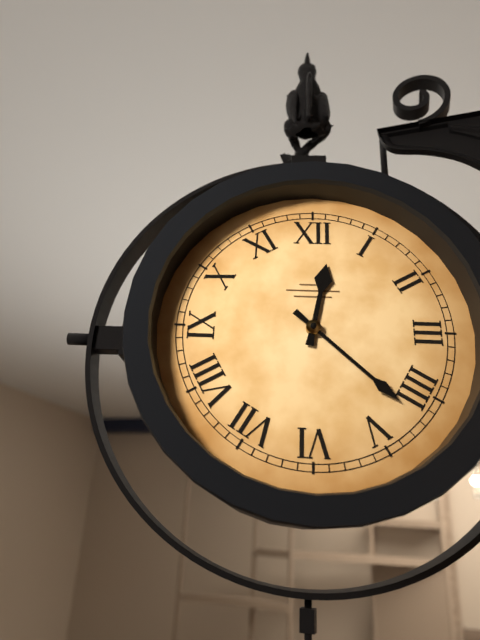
12:22
